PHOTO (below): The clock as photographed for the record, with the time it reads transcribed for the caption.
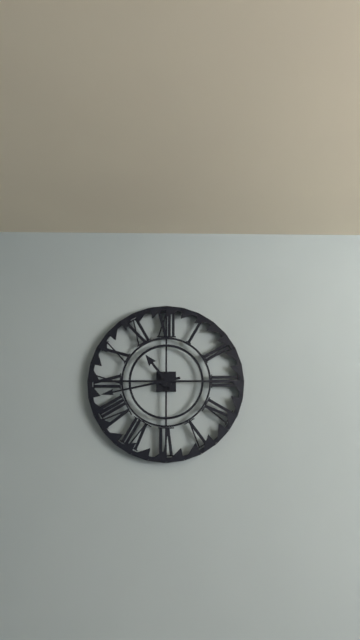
10:43
